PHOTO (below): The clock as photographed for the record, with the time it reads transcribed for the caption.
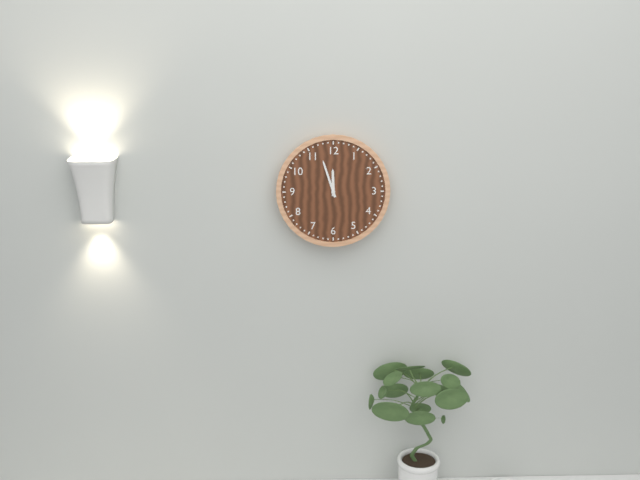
11:57
